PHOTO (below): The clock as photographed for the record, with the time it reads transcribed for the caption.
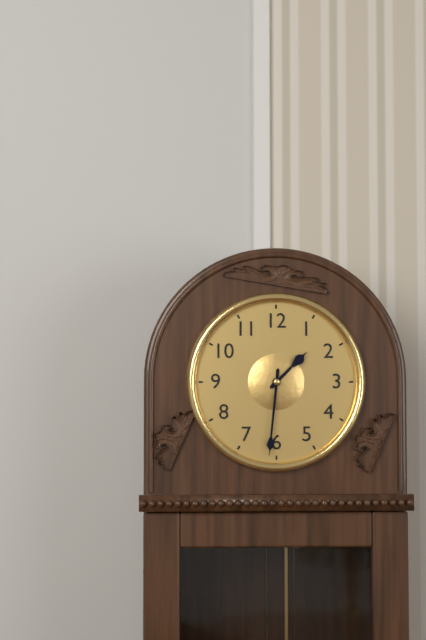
1:31
